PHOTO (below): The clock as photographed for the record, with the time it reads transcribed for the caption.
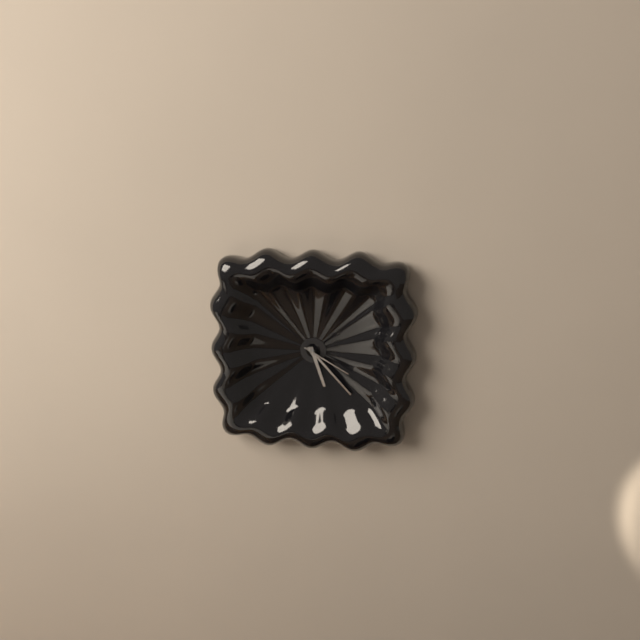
5:23:20
